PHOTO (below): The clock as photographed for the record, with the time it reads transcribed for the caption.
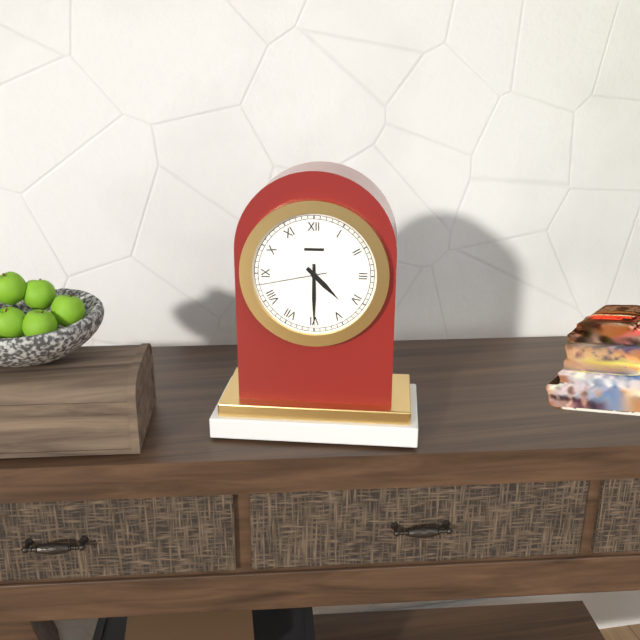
4:30:43
